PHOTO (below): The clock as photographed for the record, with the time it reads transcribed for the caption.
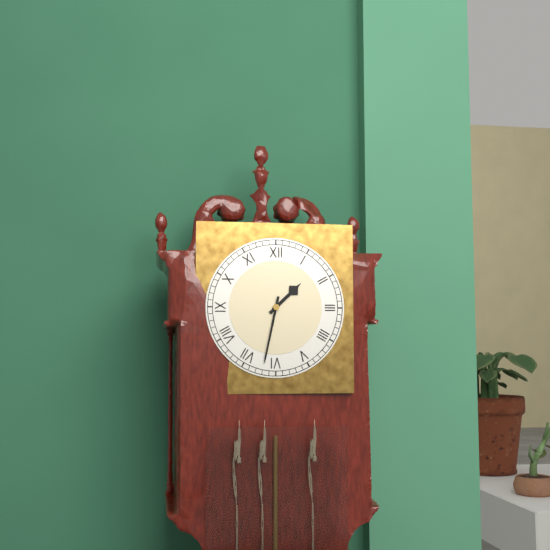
1:32
